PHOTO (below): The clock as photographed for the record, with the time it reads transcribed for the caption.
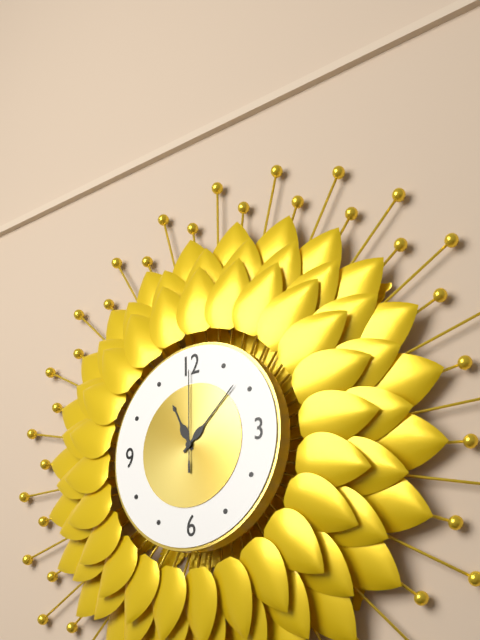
11:08:00
